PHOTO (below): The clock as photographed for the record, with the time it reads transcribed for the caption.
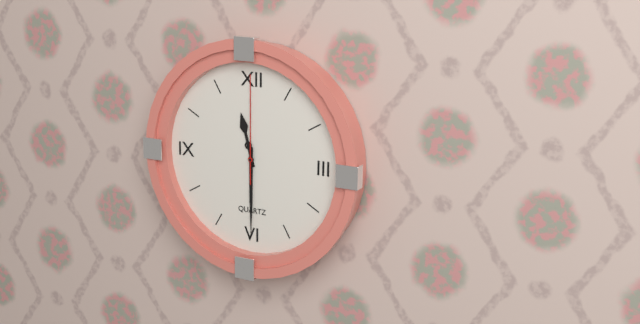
11:30:00
